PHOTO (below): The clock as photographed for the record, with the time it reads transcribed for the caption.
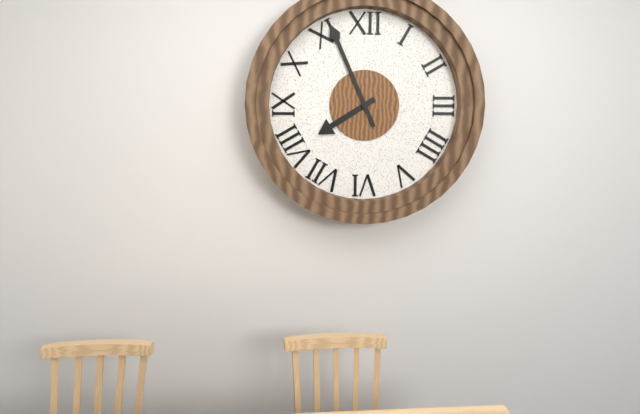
7:56
